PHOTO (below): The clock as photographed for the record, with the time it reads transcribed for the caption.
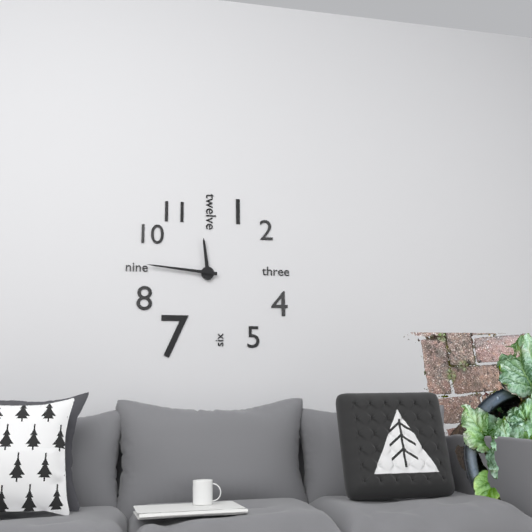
11:46
